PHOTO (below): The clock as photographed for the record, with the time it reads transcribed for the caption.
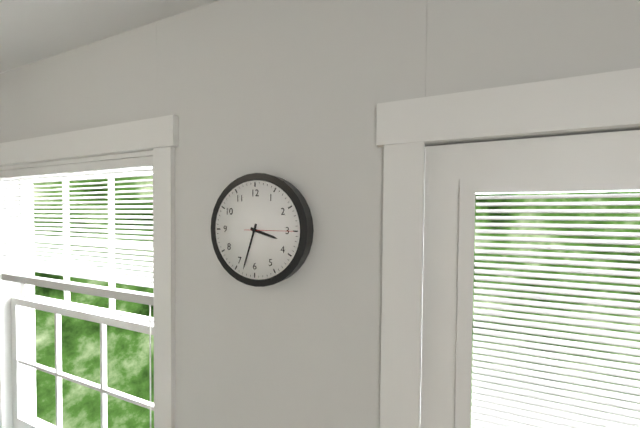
3:33
